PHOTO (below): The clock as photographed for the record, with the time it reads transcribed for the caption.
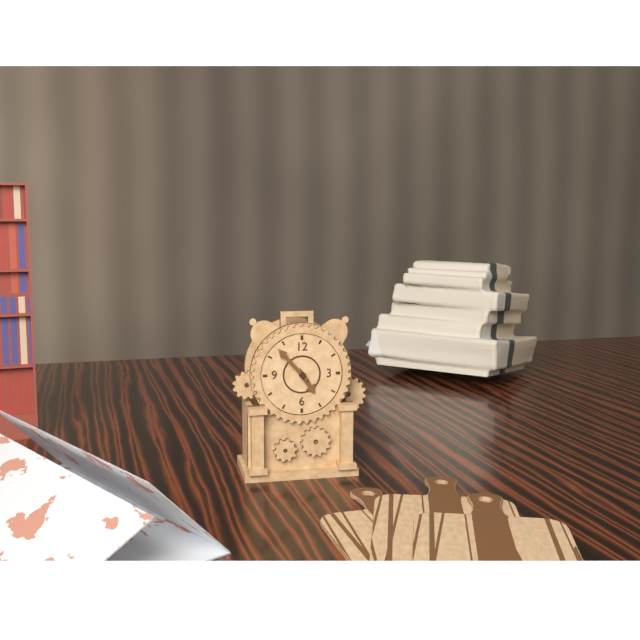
4:53
